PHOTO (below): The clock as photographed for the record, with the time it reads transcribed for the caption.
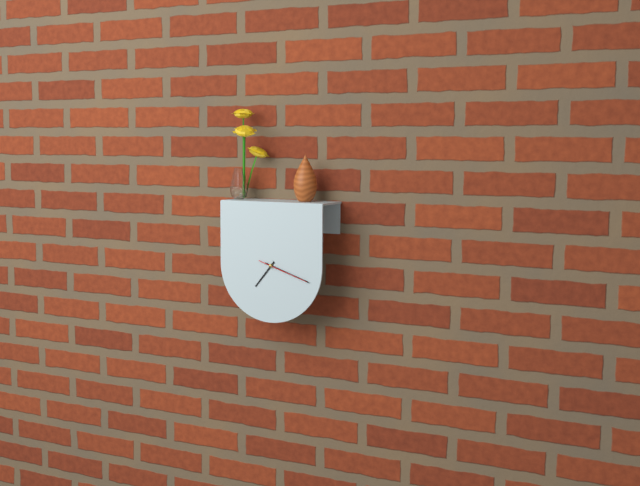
7:18
